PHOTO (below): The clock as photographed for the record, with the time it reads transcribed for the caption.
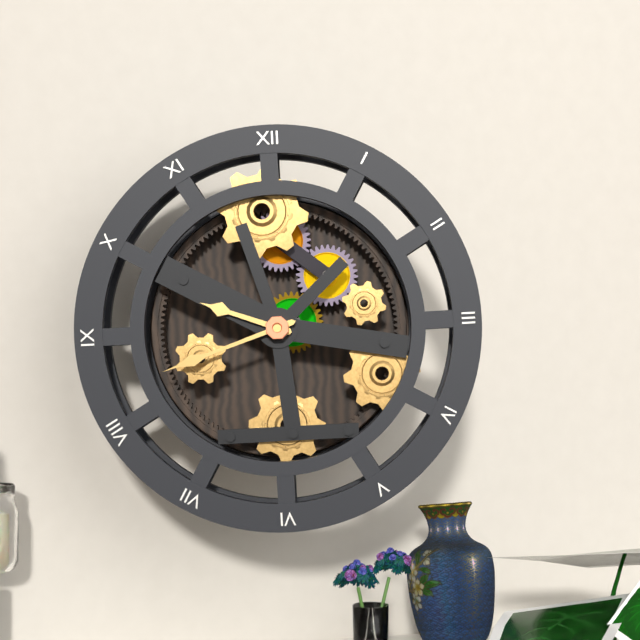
9:42
